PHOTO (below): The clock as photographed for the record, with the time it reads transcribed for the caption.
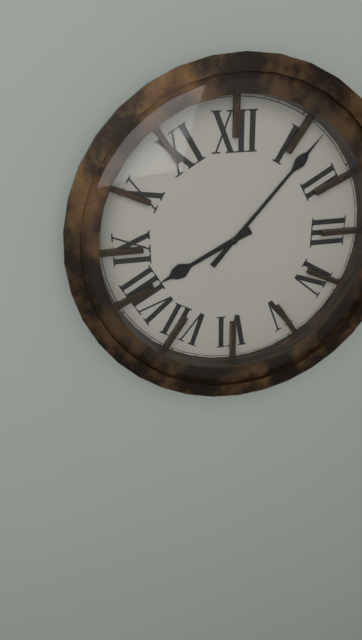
8:07
